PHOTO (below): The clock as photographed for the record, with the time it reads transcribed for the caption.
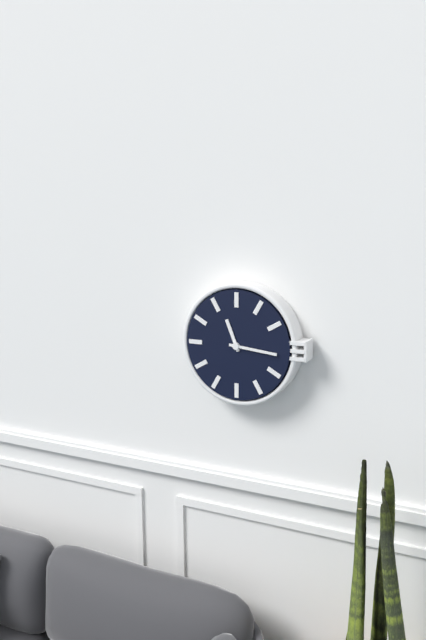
11:16
